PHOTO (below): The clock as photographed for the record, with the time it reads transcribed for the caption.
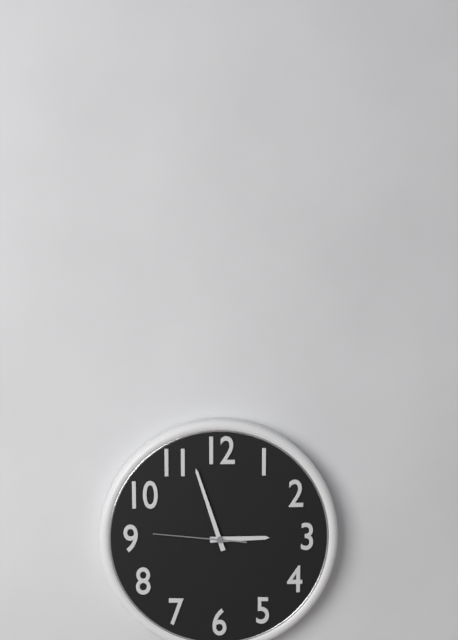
2:57:46
